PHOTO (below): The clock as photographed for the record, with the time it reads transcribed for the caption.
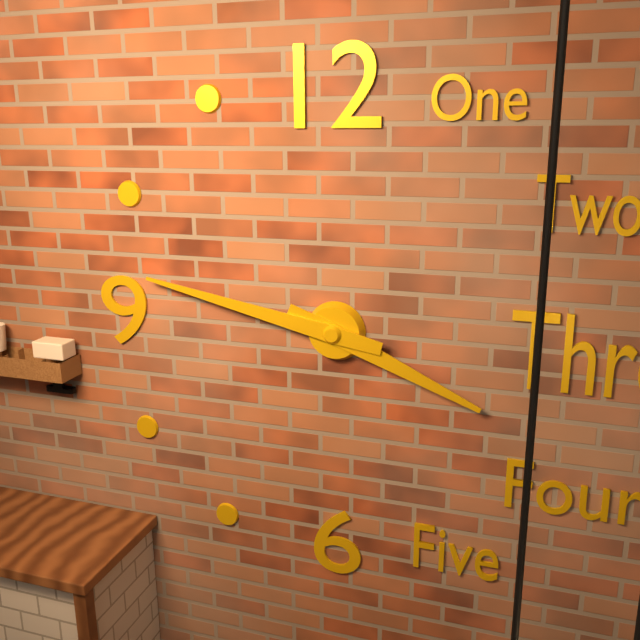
3:47
